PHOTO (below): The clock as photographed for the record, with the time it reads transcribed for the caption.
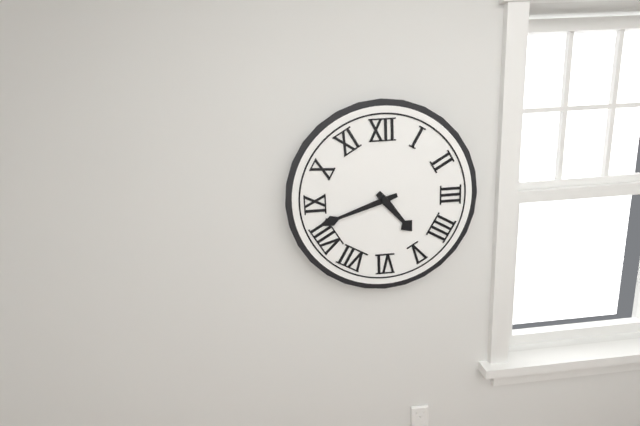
4:42
